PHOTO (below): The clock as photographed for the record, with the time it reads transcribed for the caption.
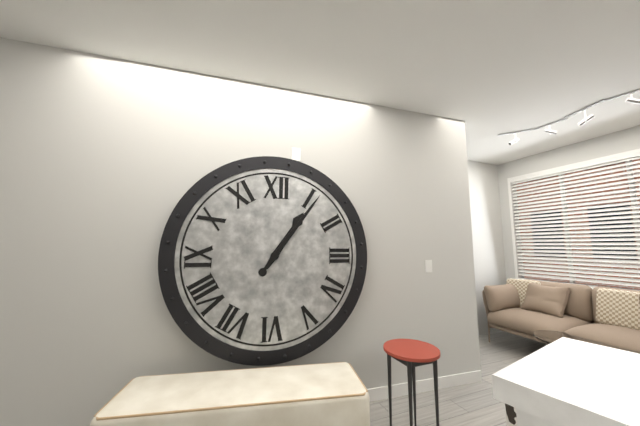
1:06
